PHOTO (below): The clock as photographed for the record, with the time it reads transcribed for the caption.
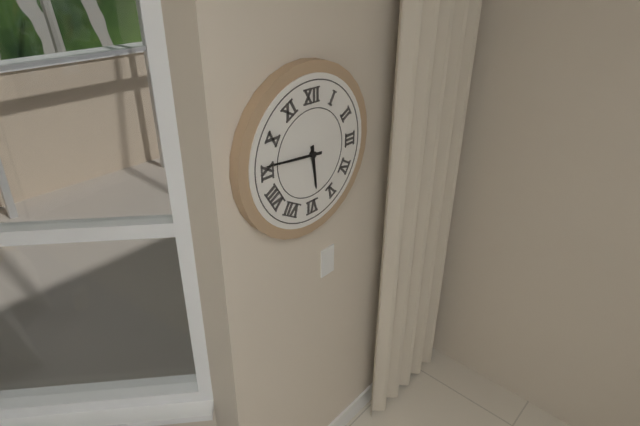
5:46
